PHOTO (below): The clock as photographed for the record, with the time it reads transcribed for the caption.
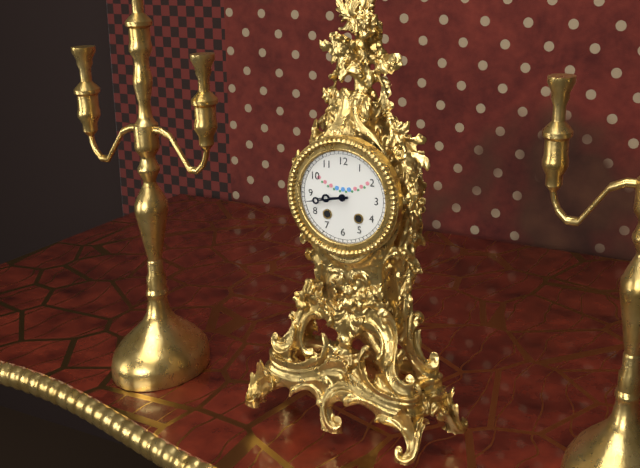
8:43
